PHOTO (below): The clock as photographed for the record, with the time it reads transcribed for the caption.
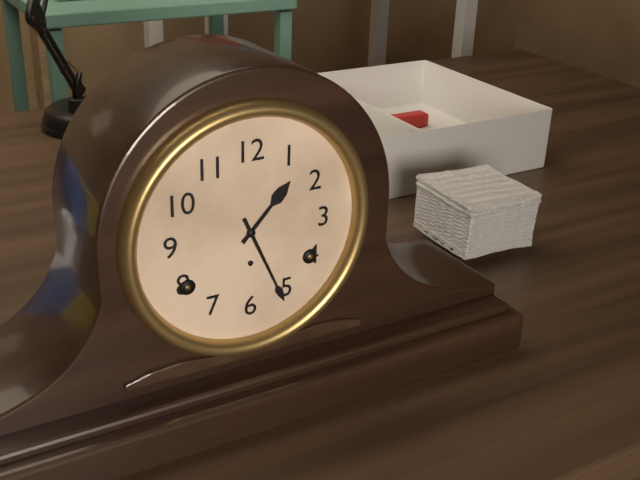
1:26
